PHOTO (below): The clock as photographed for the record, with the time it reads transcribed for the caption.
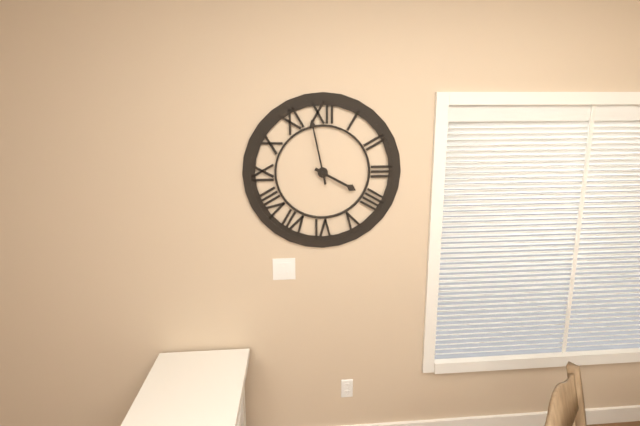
3:58
